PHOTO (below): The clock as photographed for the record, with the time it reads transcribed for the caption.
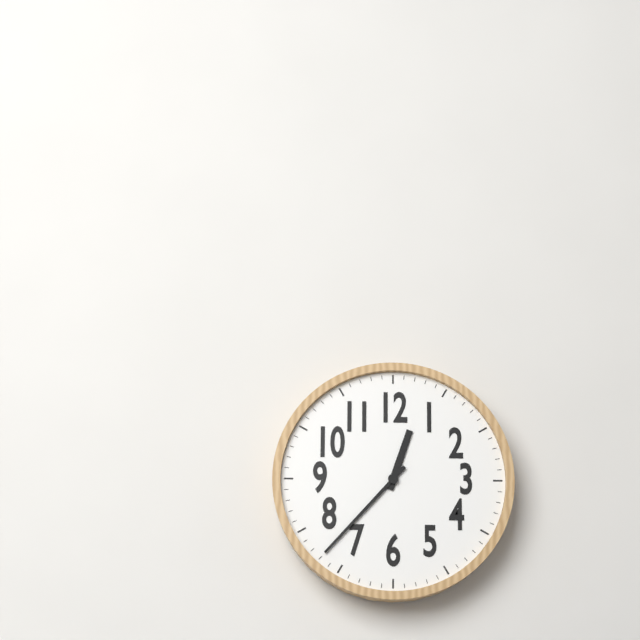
12:37
